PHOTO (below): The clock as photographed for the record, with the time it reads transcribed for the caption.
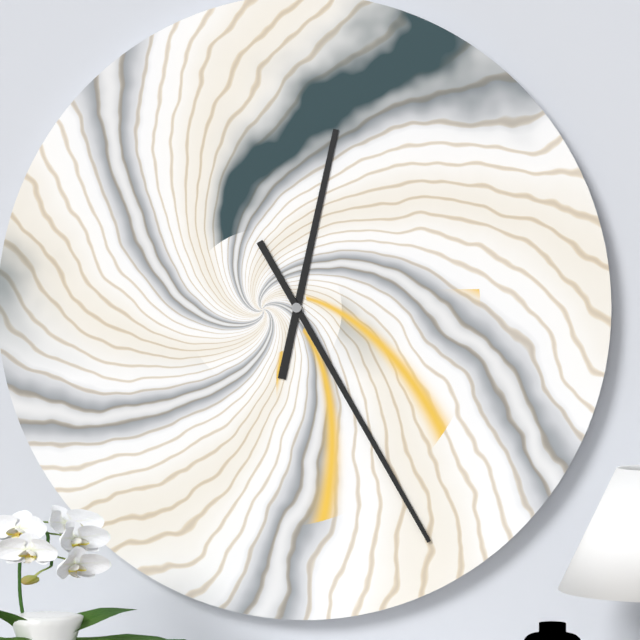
12:25
